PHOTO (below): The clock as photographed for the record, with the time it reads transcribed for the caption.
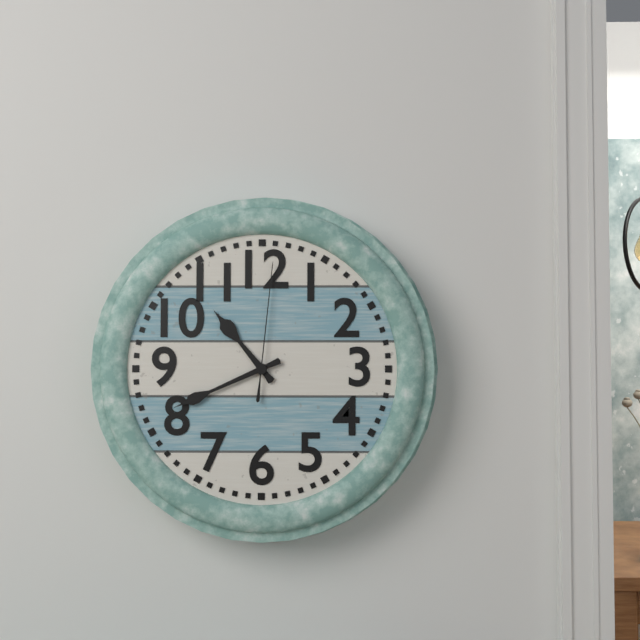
10:41:01
